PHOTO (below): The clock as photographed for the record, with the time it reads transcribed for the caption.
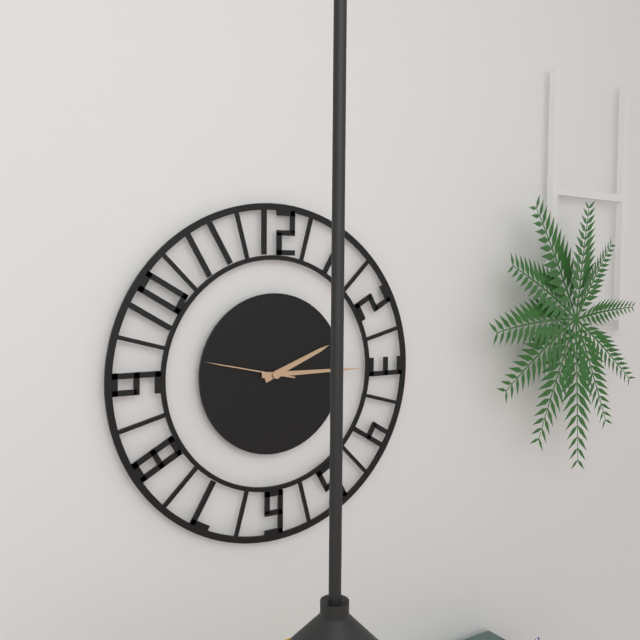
2:15:47
